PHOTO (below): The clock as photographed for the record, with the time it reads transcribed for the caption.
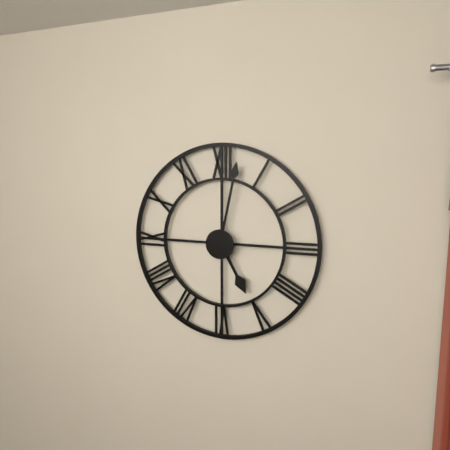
5:02
